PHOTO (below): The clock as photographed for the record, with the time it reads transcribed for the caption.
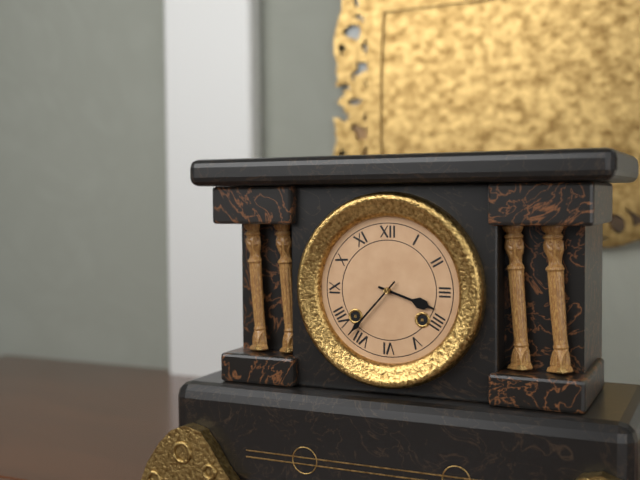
3:37
